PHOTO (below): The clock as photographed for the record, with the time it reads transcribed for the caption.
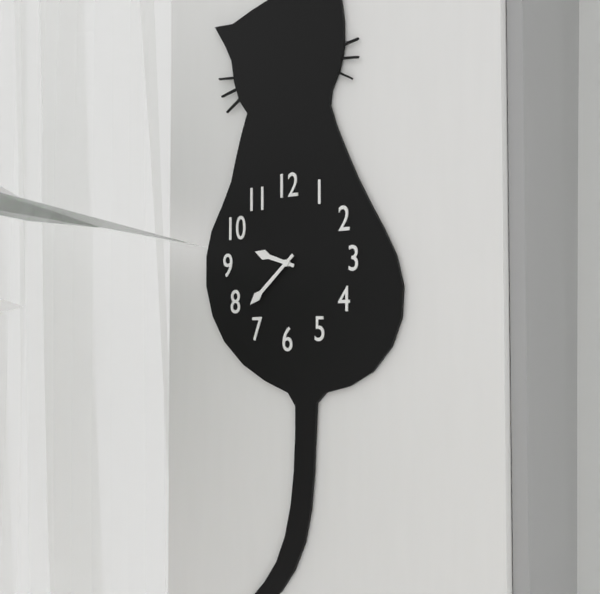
9:38
